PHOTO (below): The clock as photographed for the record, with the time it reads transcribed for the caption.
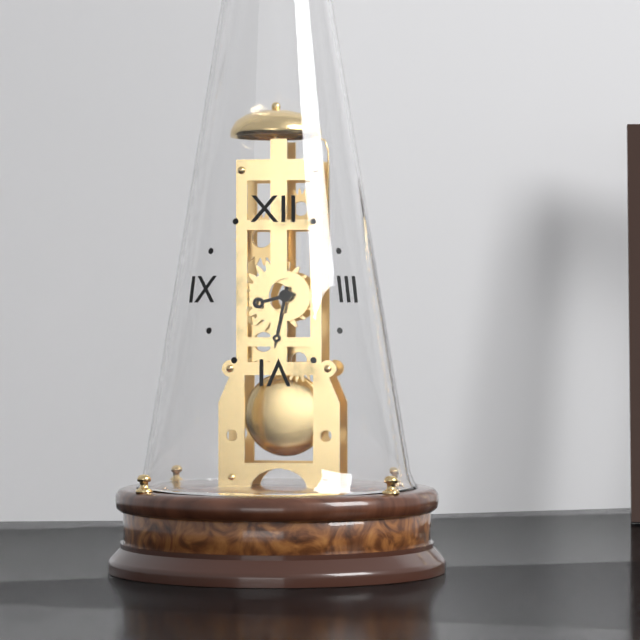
8:32
